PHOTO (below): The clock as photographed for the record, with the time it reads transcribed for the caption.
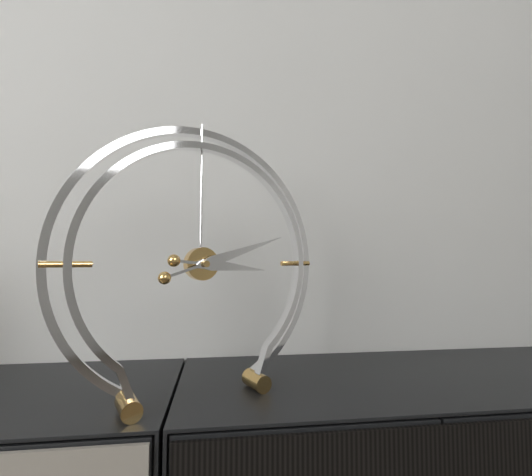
3:12
